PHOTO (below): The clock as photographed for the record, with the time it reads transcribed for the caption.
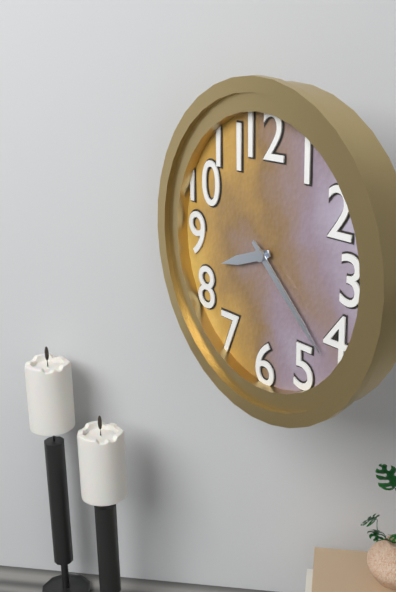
8:22
